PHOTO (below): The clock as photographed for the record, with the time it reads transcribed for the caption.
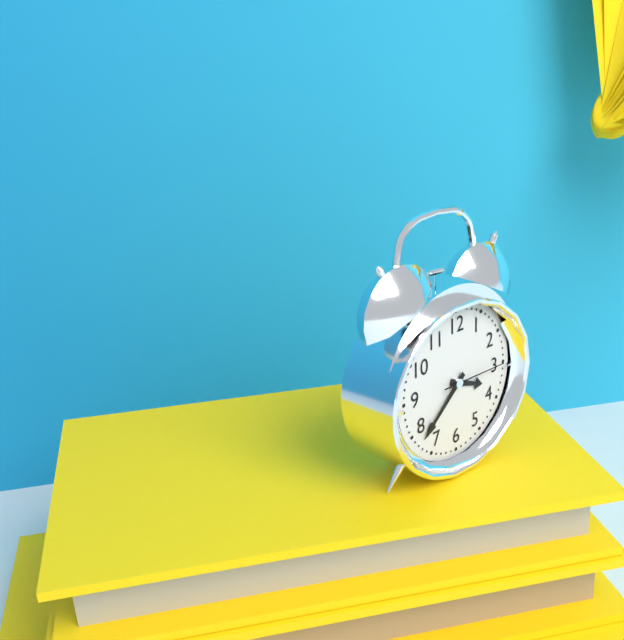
3:38:15
